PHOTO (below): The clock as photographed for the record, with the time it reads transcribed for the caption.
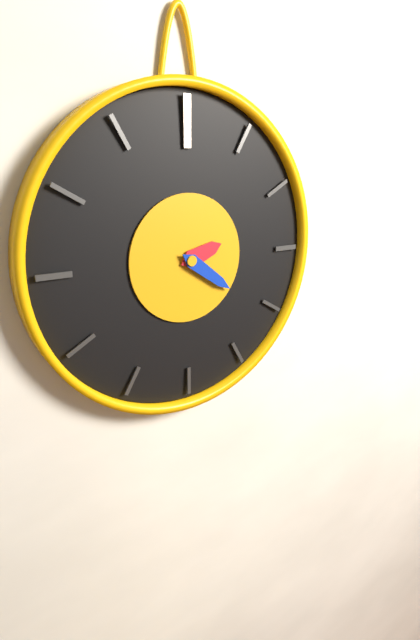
2:21
